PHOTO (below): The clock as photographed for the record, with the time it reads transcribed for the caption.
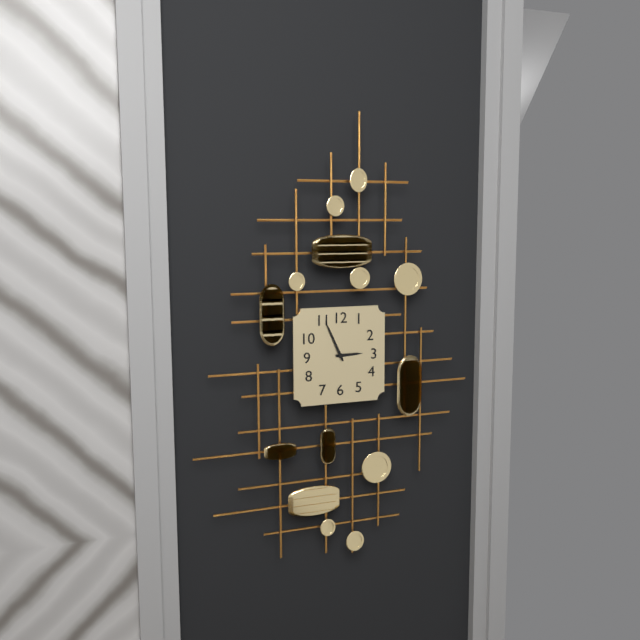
2:56
